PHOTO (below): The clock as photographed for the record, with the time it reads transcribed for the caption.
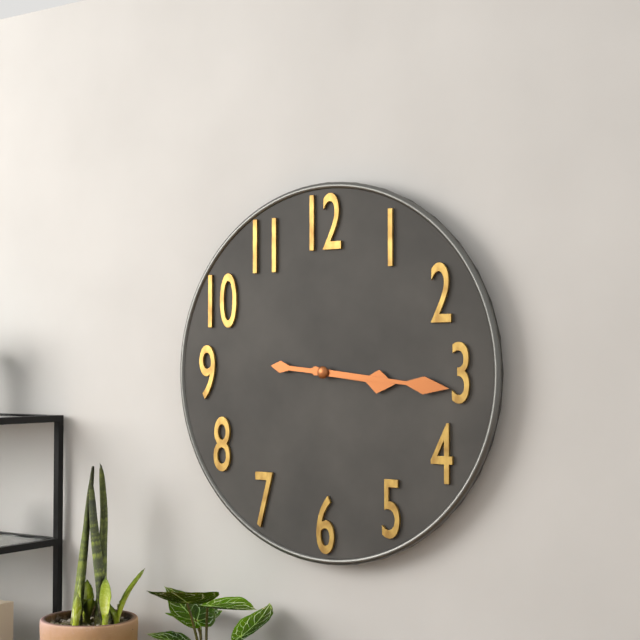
3:16
